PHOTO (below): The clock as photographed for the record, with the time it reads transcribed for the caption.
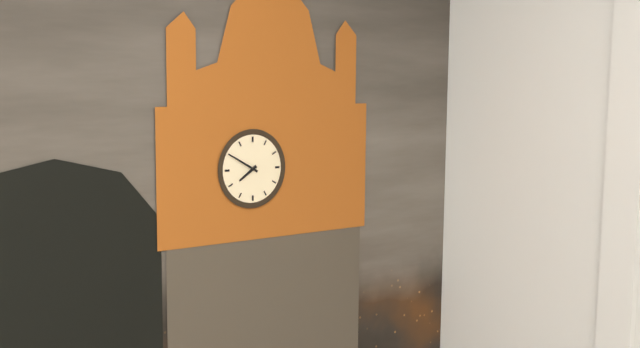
7:50
